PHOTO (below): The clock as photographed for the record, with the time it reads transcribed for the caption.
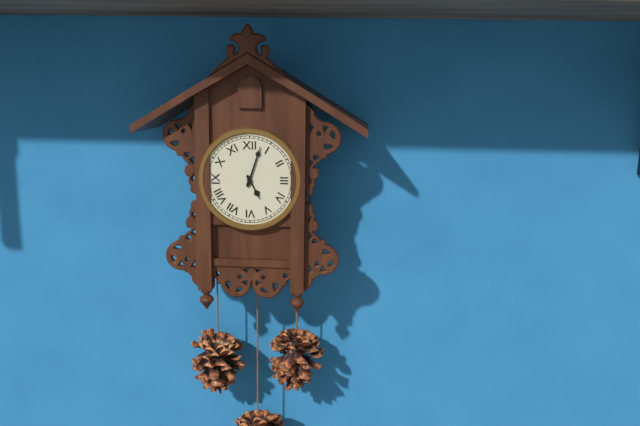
5:03
